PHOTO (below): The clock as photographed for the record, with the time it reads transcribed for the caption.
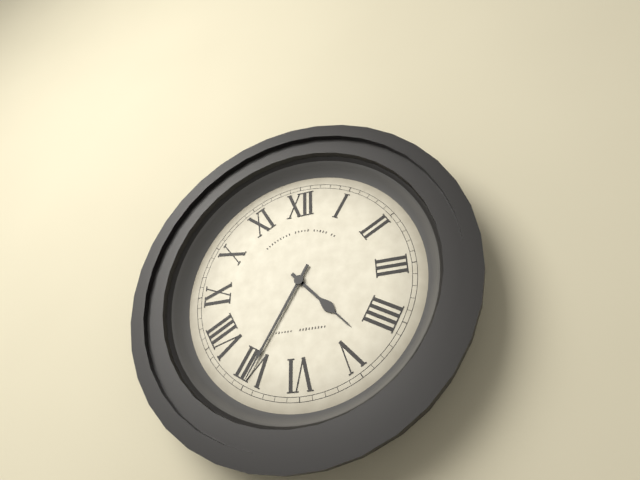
4:35
